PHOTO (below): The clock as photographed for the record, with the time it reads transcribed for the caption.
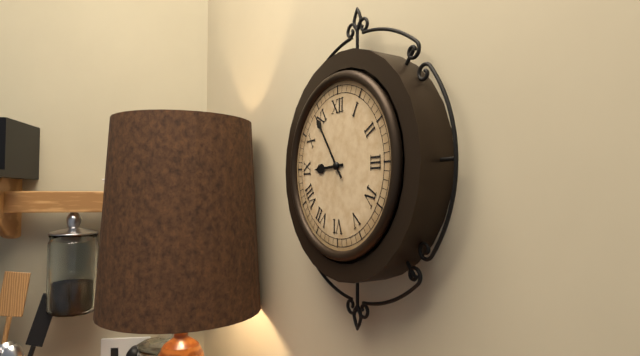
8:54
